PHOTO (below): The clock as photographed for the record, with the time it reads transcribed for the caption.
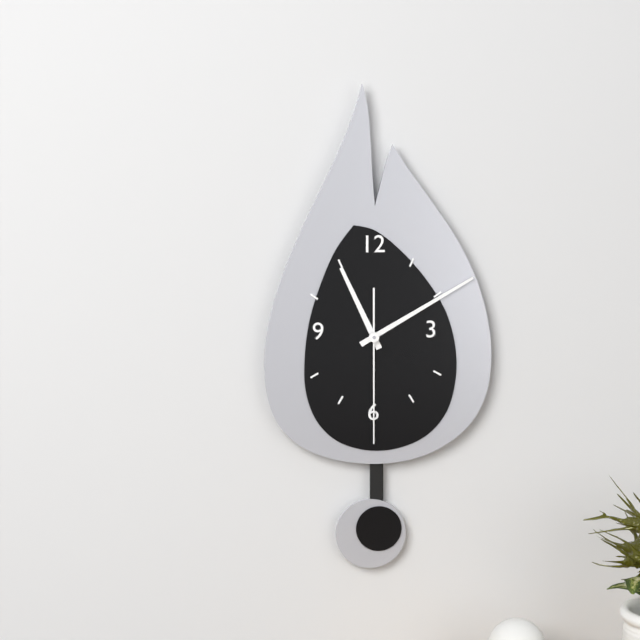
11:10:30
